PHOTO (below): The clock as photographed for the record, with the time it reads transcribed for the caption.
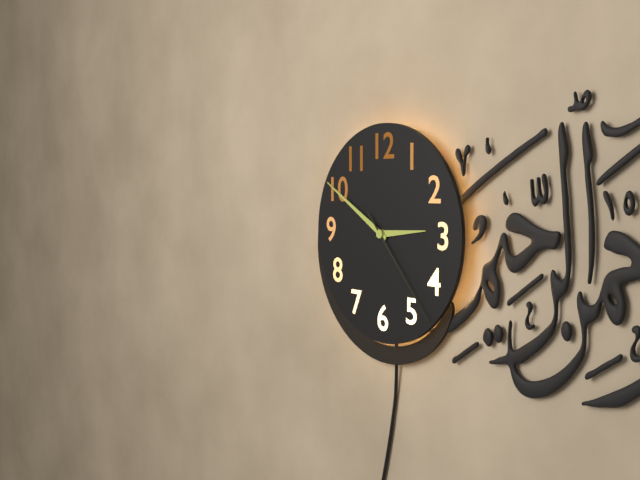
2:50:23
